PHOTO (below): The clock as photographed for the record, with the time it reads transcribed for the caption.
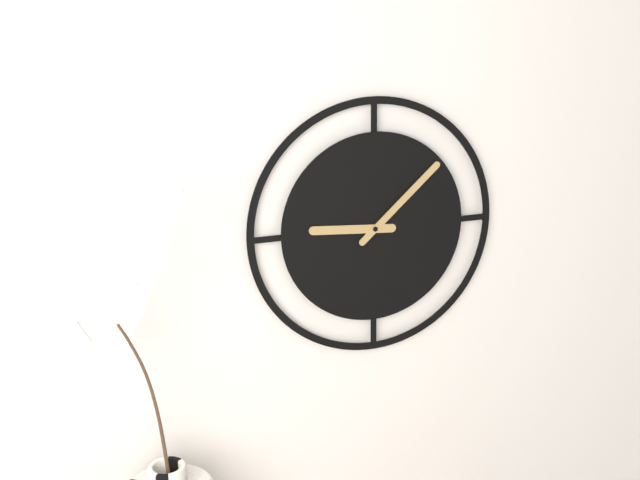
9:08
